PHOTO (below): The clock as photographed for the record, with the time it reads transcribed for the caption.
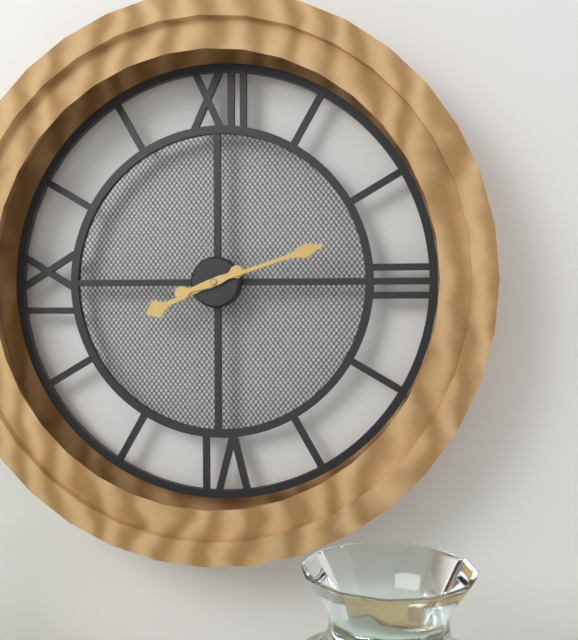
8:12
